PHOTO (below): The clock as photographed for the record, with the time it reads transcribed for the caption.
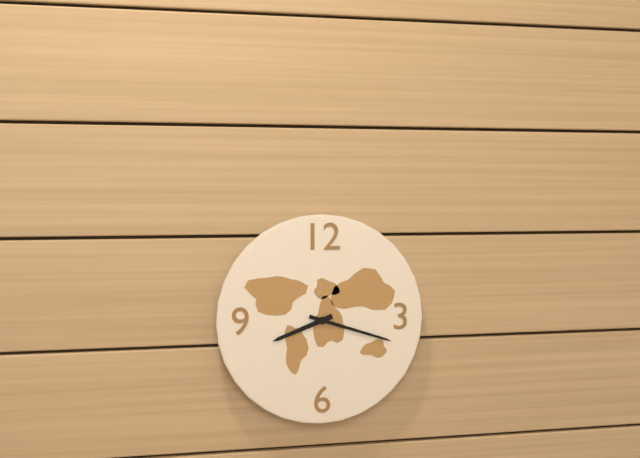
8:18
